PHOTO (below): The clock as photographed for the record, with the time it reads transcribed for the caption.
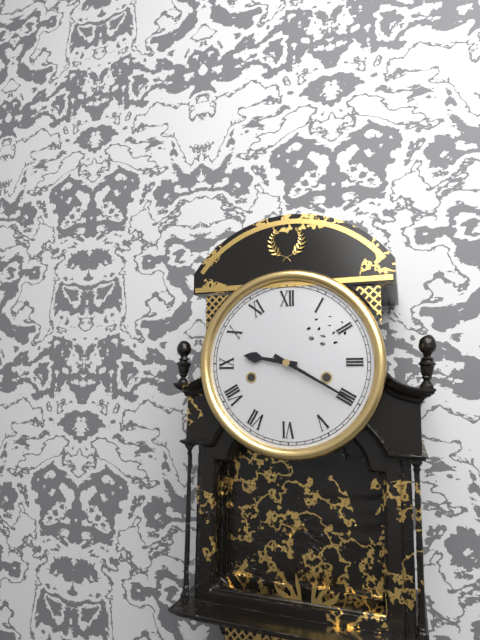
9:20
